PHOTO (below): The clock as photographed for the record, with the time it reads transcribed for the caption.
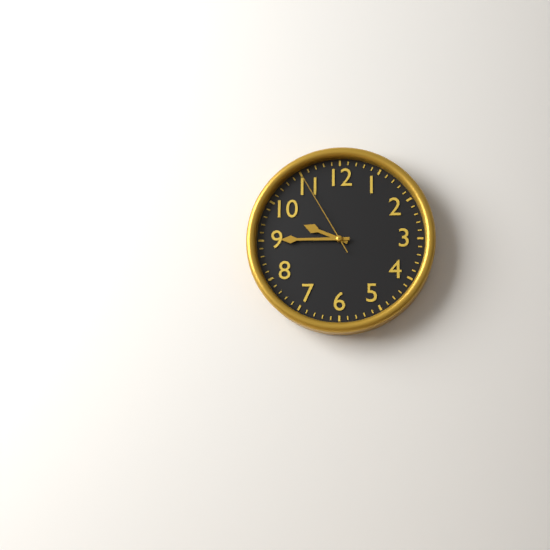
9:45:55
